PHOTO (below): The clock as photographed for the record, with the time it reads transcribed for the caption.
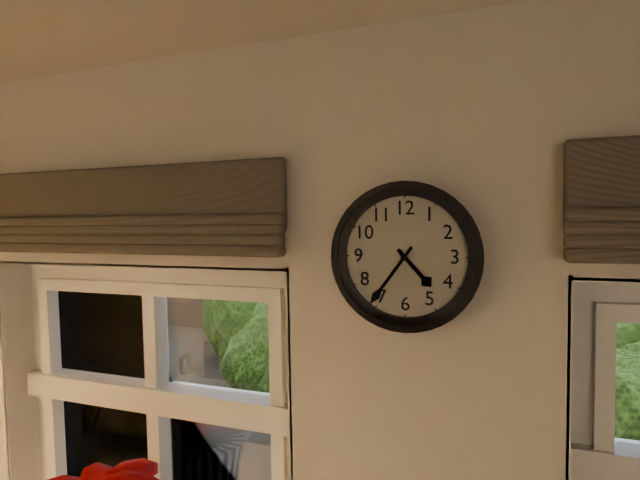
4:36
